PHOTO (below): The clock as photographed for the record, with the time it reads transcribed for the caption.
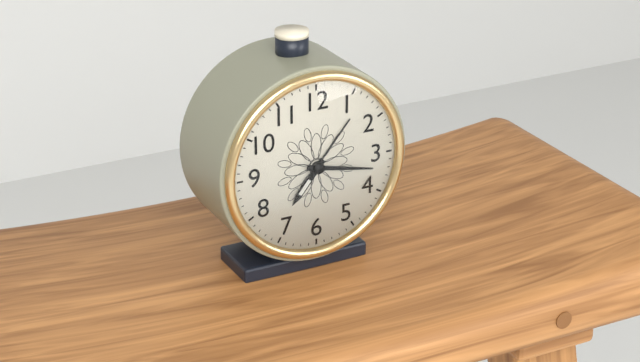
7:17
